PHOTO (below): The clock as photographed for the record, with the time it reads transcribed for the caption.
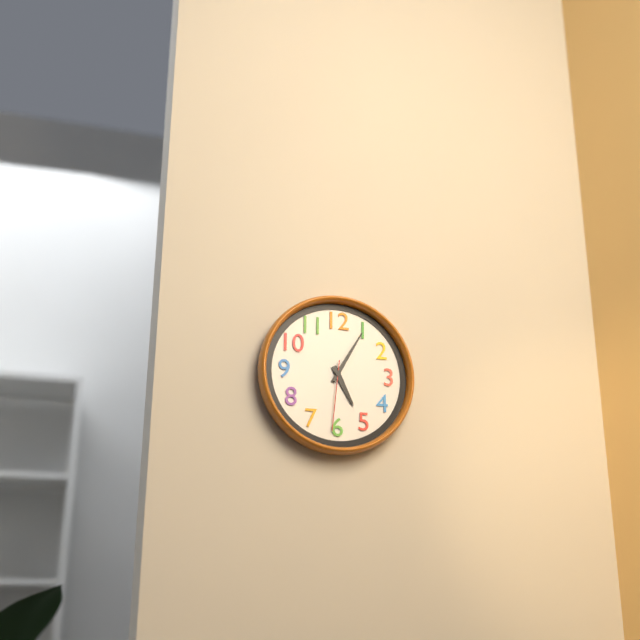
5:05:31
